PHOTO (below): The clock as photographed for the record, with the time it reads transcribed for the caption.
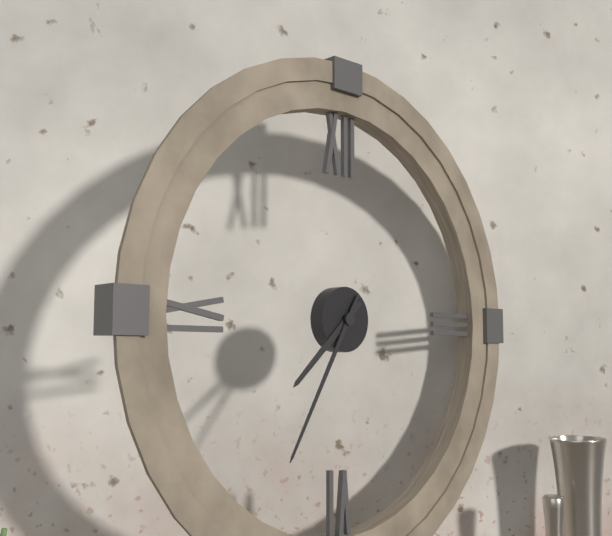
7:35
